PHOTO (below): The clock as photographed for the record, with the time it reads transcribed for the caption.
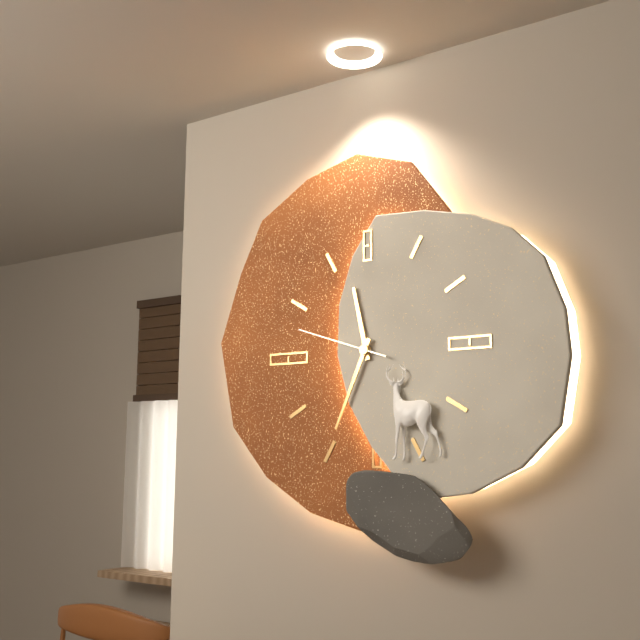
11:34:48
